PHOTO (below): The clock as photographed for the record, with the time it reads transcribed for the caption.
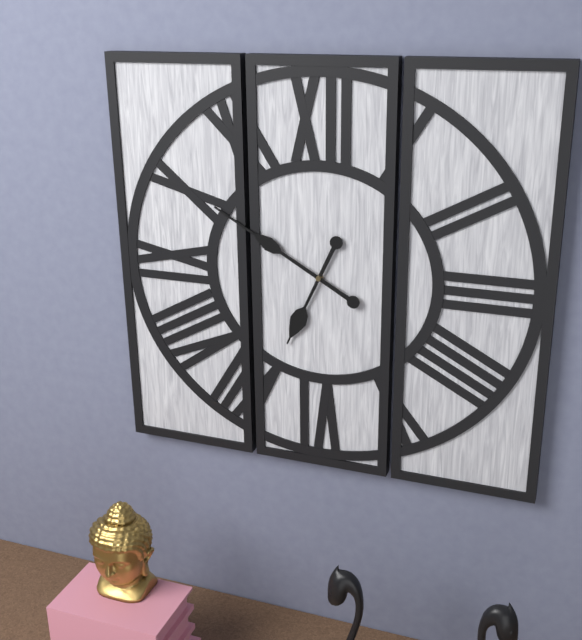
6:50
